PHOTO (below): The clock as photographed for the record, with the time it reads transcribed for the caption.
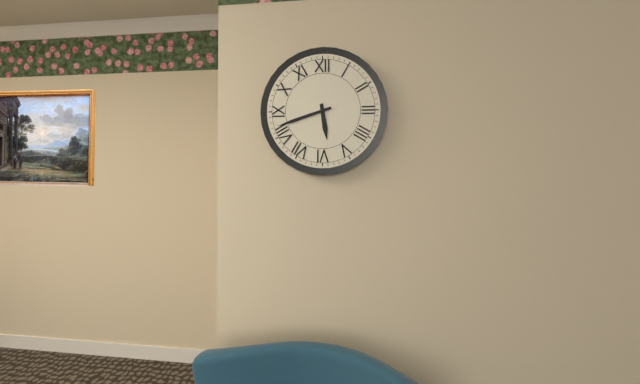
5:42
